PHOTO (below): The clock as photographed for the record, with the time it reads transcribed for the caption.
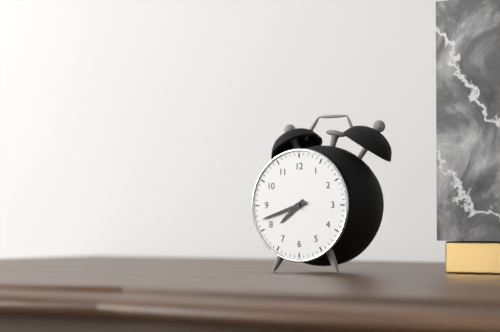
7:42
